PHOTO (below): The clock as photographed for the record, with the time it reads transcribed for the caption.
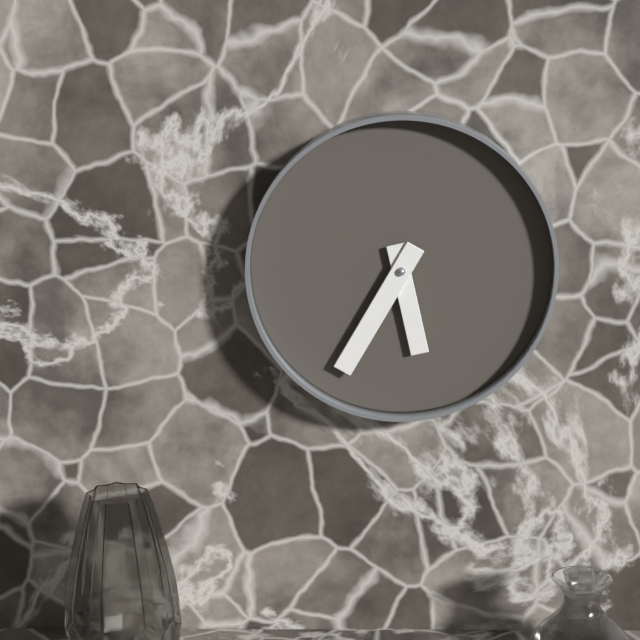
5:35
